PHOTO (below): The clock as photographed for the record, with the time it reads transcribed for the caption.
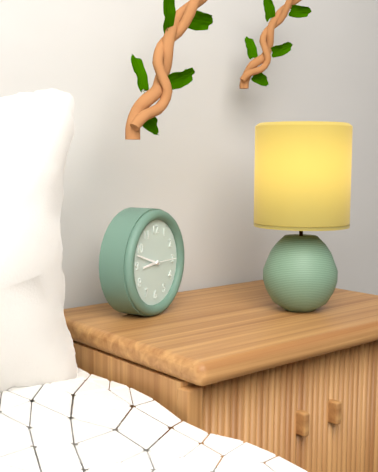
8:48
